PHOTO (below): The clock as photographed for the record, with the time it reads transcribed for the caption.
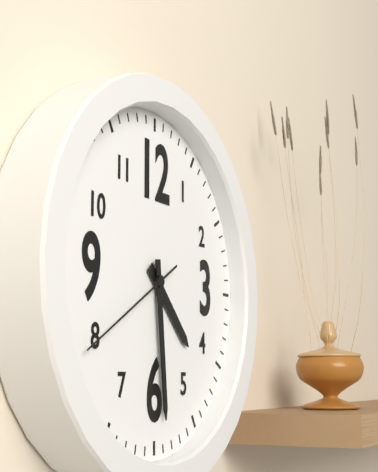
4:29:40
